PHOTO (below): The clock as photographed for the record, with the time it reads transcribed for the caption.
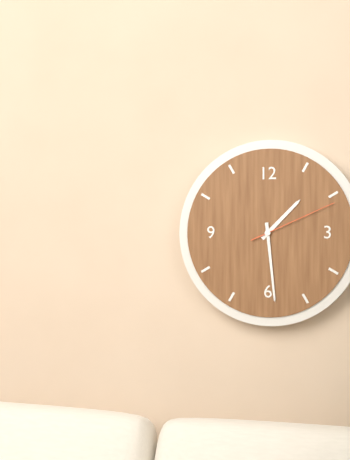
1:29:11
